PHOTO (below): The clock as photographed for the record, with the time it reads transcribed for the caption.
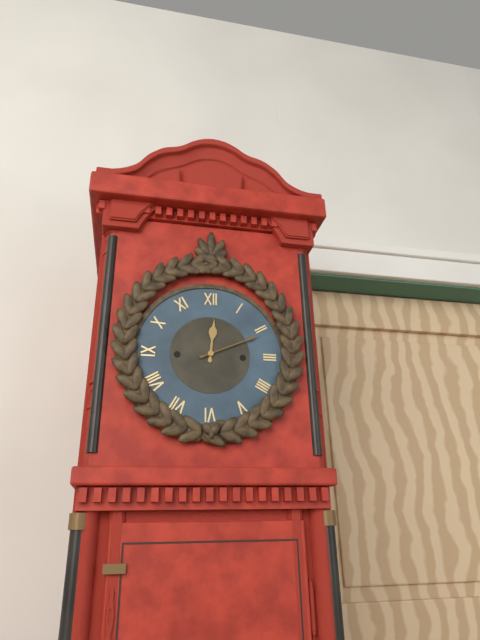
12:11
